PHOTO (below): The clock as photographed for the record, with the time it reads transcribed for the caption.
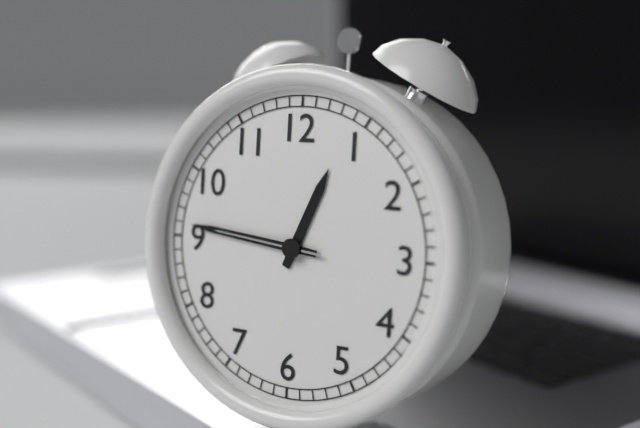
12:46:46
